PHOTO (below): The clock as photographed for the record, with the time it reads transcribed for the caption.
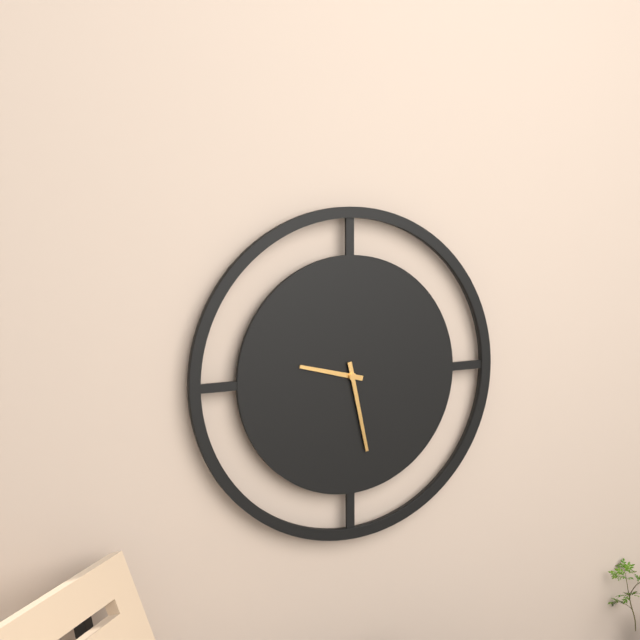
9:28
